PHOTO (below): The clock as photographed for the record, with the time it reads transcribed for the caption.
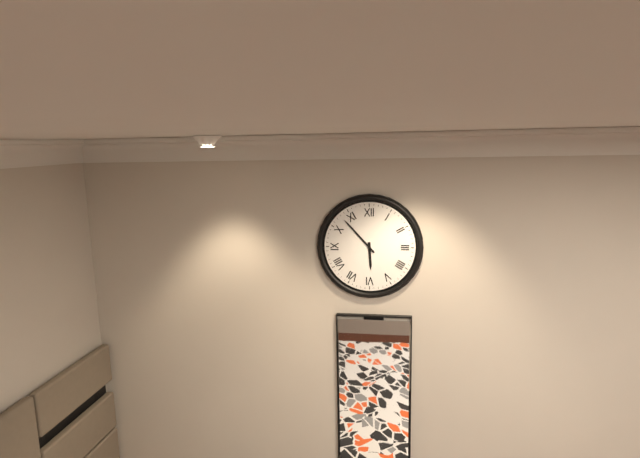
5:53
